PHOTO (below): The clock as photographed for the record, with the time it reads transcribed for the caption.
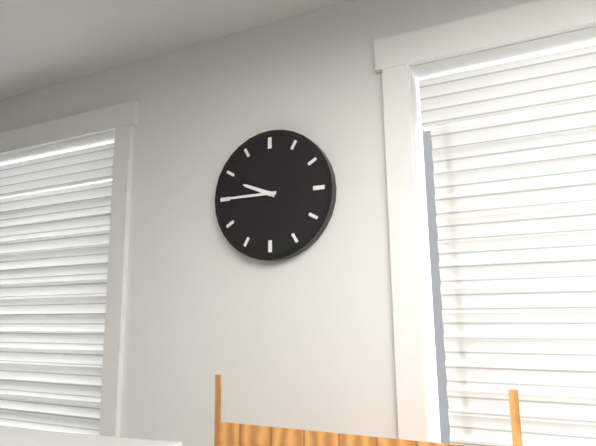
9:45
